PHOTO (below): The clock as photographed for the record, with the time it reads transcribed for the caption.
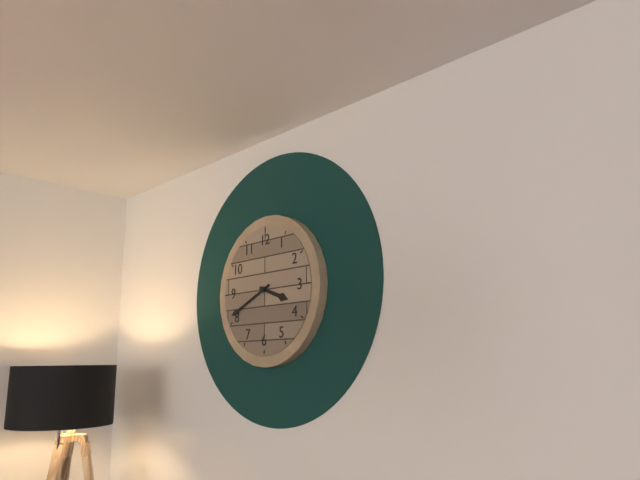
3:41
